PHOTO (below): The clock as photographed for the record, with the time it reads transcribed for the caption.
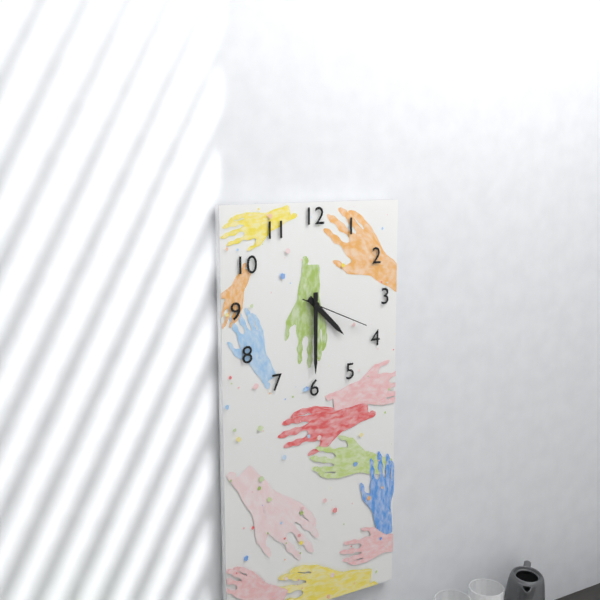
4:30:19
